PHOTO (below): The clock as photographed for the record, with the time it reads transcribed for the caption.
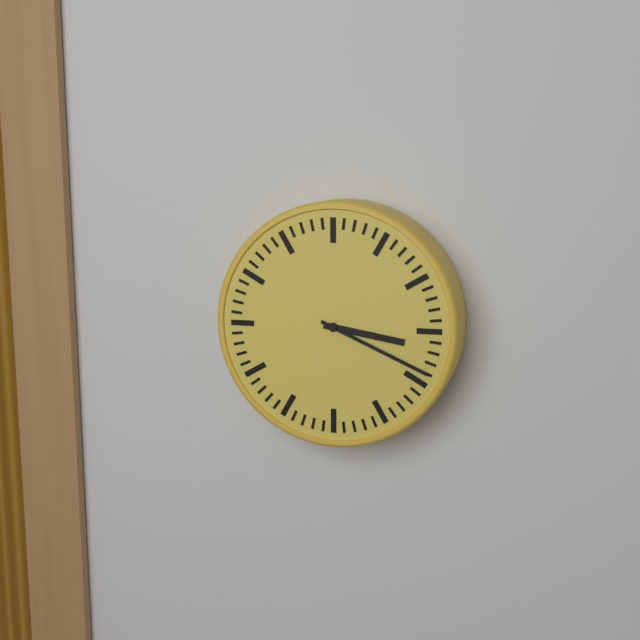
3:19
